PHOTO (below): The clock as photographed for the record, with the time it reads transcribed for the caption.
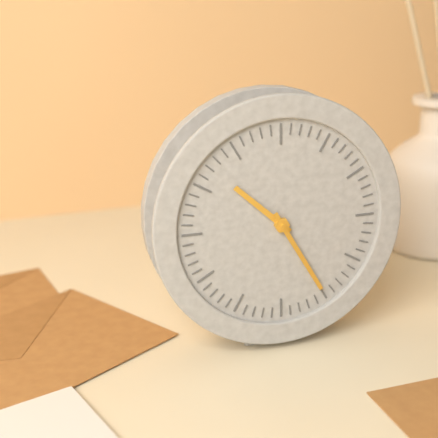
10:25
